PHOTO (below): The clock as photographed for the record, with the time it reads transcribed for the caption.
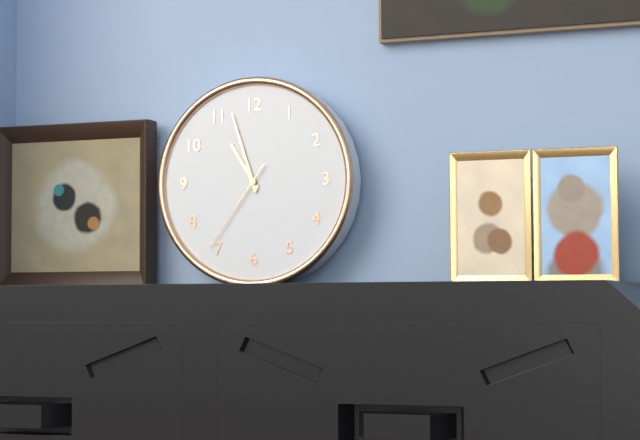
10:57:36
